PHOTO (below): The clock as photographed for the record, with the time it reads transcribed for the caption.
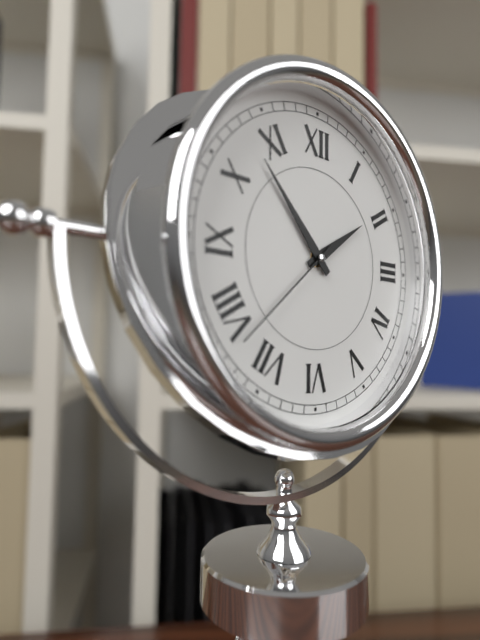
1:53:38
